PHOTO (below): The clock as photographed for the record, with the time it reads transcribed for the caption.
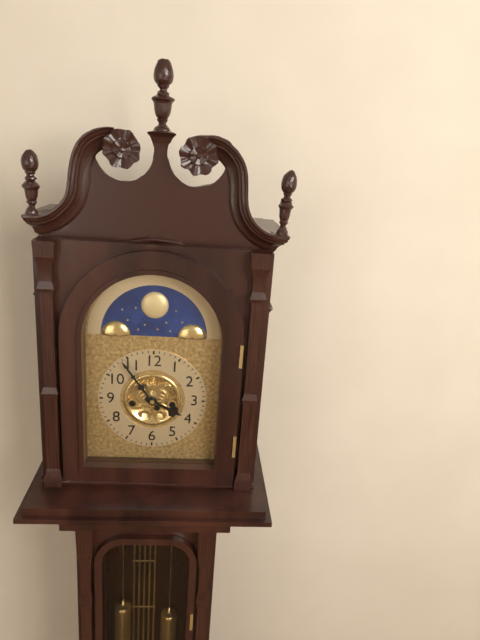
3:54
